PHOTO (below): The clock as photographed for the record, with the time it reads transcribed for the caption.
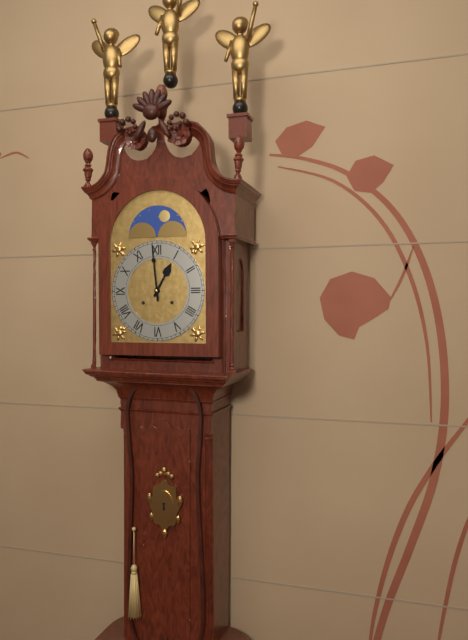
12:59
